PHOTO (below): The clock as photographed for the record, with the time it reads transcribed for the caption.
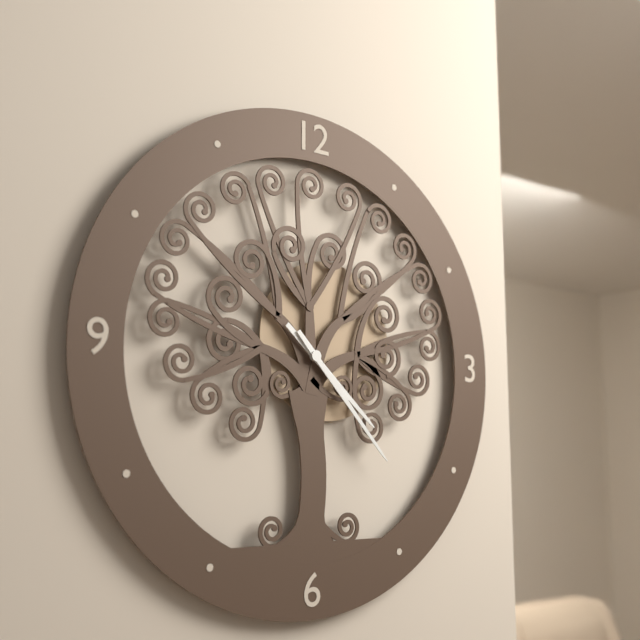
4:23
